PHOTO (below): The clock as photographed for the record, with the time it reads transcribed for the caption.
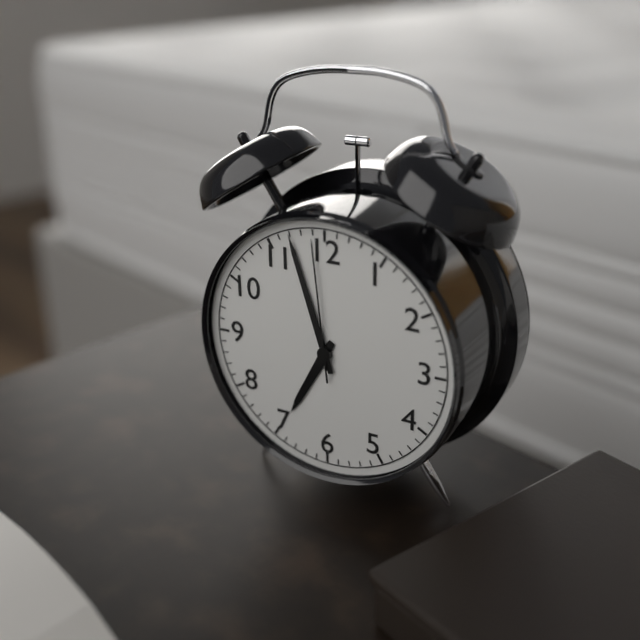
6:57:59
